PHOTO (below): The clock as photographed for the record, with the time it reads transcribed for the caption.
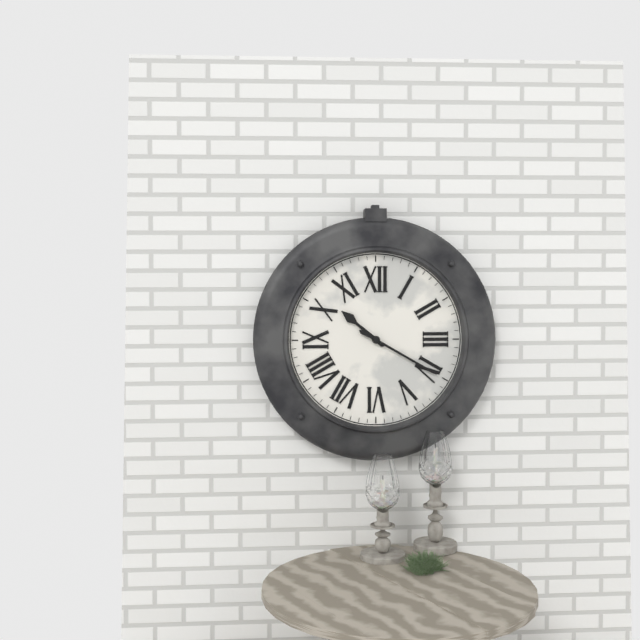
10:20
